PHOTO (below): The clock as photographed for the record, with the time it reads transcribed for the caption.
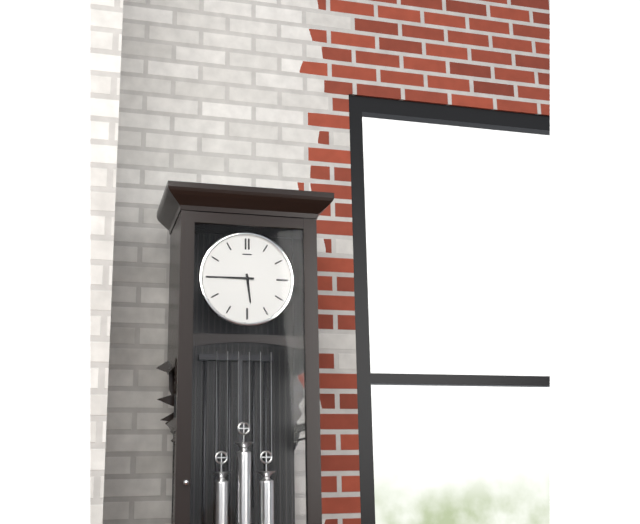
5:45
